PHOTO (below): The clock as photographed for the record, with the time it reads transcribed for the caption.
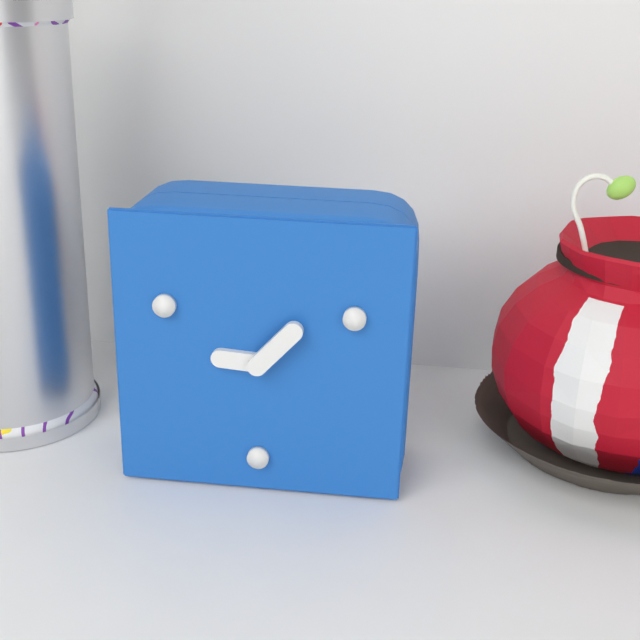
9:07
